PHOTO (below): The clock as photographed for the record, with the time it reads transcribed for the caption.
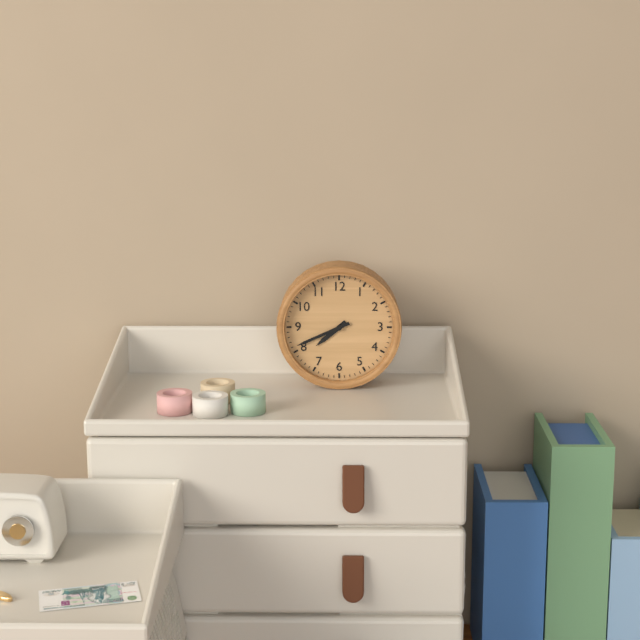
7:41
